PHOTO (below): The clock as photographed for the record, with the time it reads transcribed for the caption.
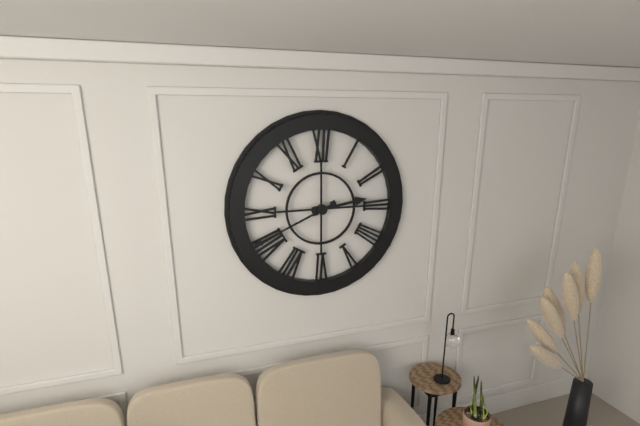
2:41
